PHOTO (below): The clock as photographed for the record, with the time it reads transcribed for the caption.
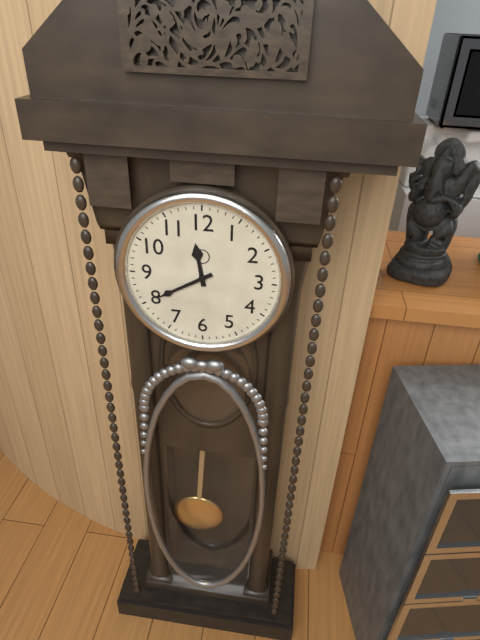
11:40
